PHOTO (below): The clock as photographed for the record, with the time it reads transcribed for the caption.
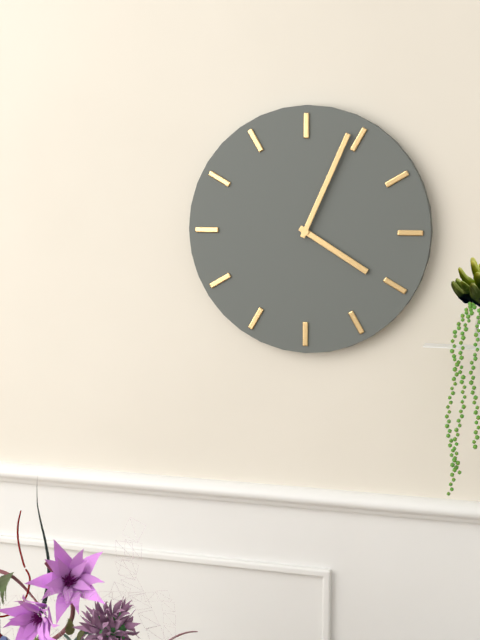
4:04
